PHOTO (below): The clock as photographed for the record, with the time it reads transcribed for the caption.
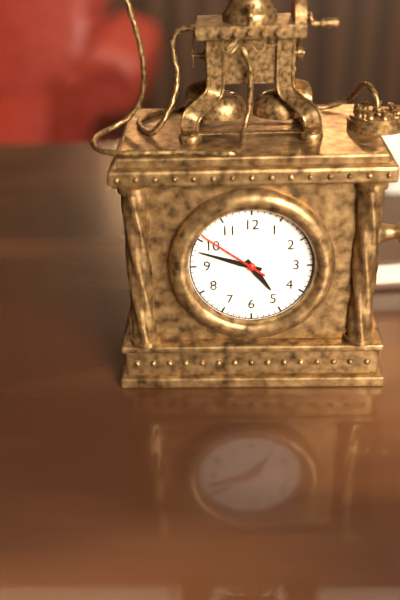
4:48:51
